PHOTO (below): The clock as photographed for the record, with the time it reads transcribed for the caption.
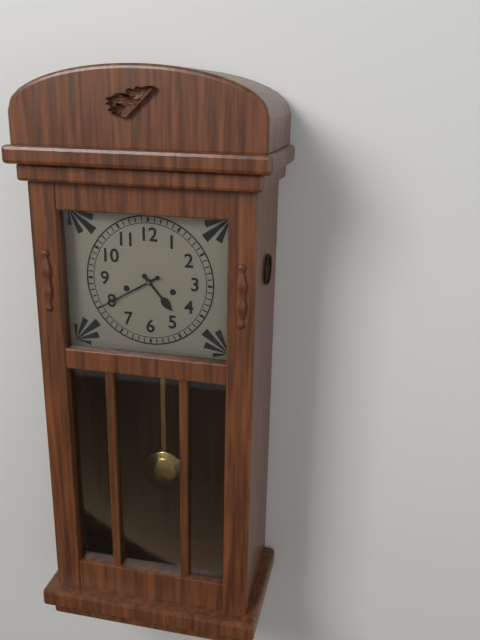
4:40
